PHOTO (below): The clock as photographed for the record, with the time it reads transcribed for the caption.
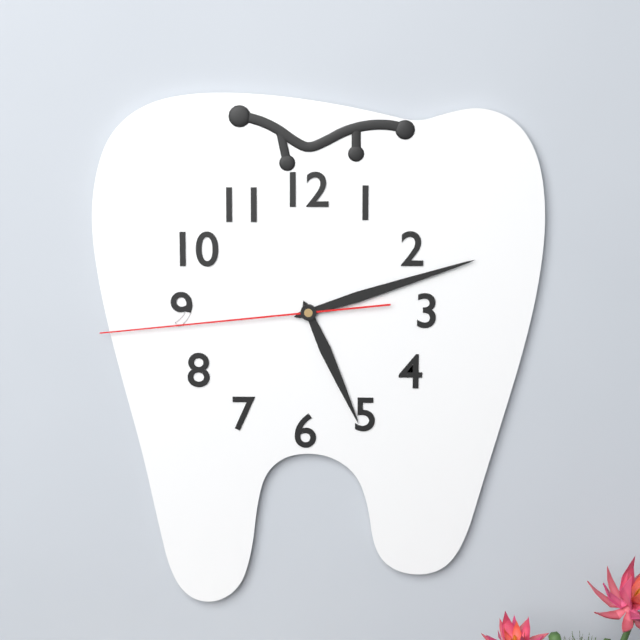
5:12:44
